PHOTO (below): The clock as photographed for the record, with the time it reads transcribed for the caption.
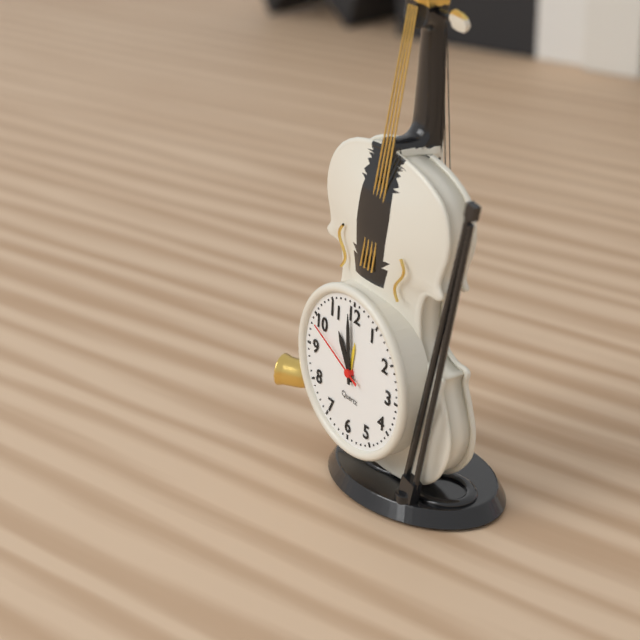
10:59:49
